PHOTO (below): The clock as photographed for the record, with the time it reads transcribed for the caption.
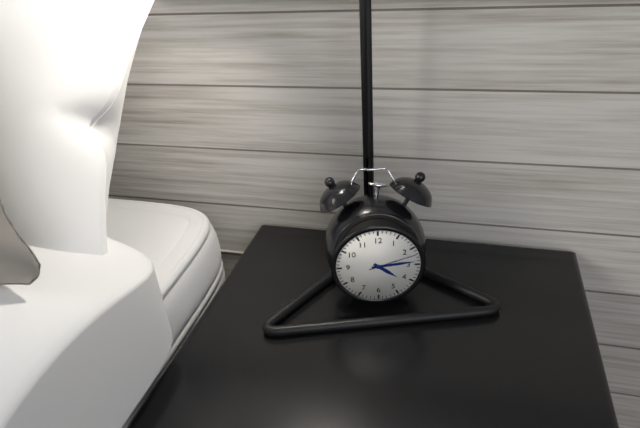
4:14
